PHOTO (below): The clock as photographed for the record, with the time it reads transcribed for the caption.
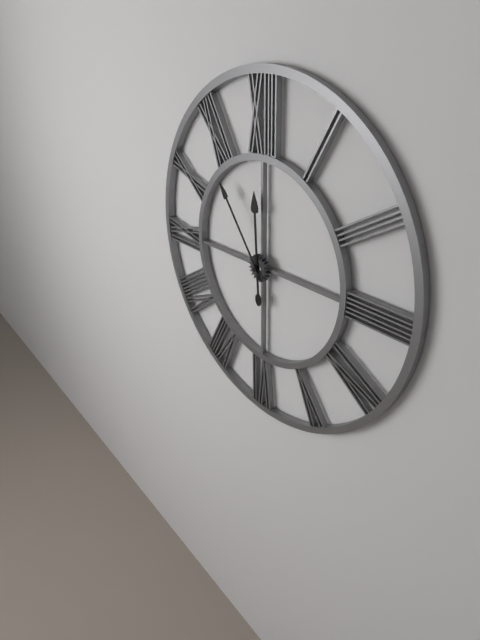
11:54
